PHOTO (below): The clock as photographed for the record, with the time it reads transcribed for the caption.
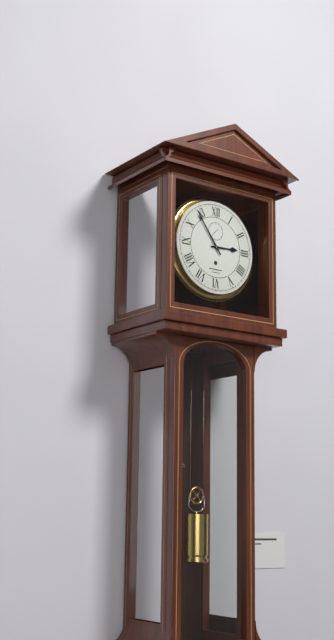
2:54
